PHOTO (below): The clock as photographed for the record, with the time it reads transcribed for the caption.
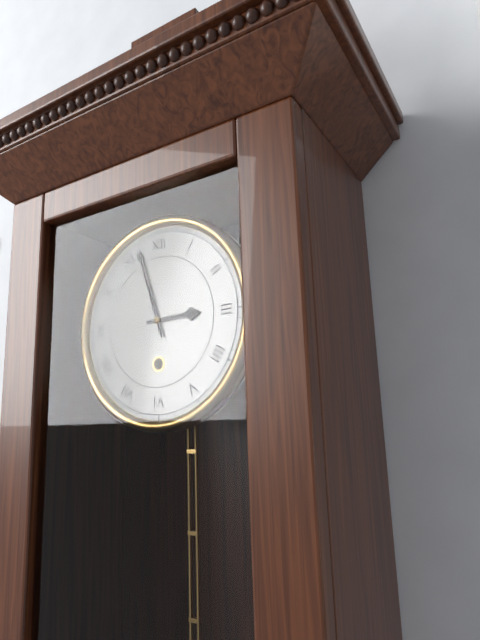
2:57
